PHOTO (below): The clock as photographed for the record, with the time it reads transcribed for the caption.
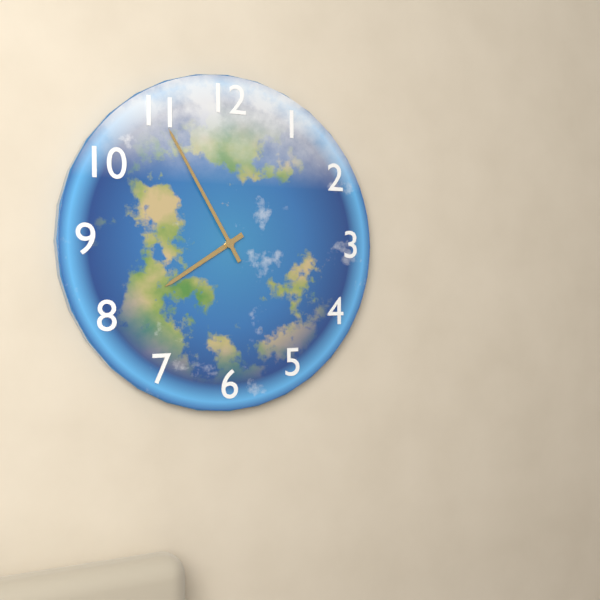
7:55
